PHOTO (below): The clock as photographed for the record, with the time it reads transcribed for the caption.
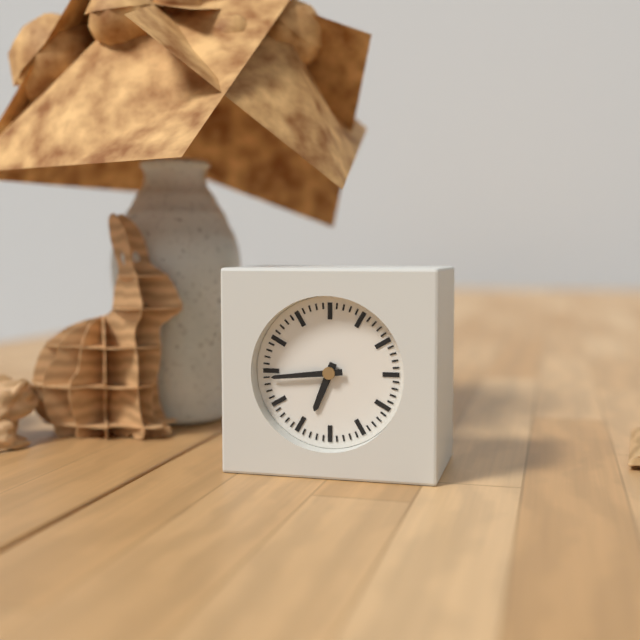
6:44
